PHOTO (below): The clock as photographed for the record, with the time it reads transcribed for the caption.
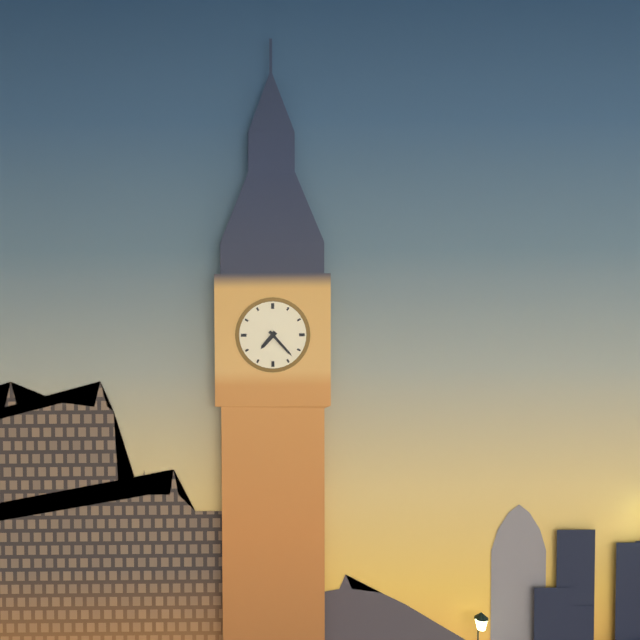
7:23
